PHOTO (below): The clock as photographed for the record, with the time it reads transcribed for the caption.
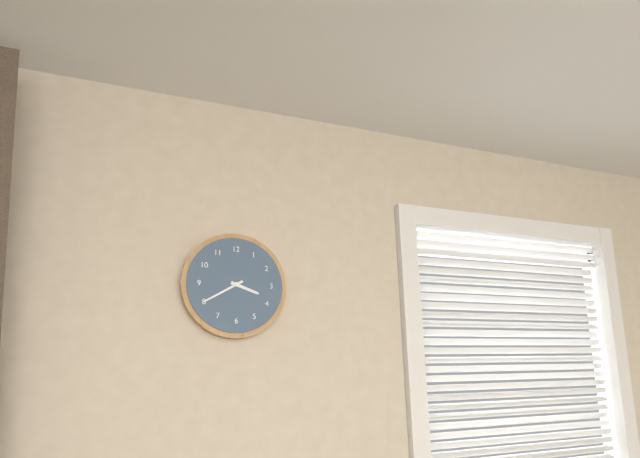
3:40
